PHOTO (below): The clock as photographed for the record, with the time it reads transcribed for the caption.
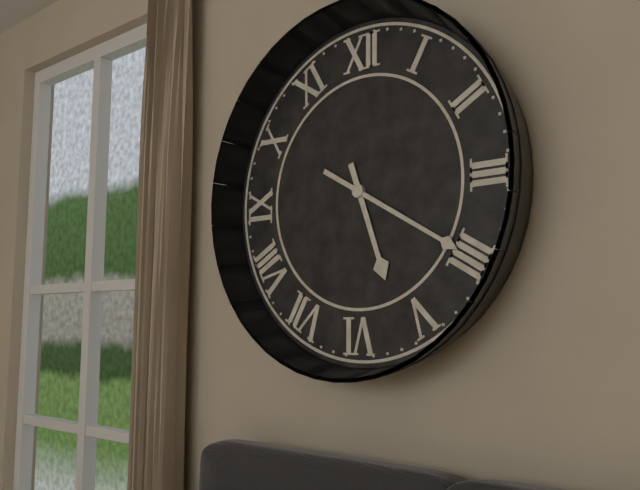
5:20
